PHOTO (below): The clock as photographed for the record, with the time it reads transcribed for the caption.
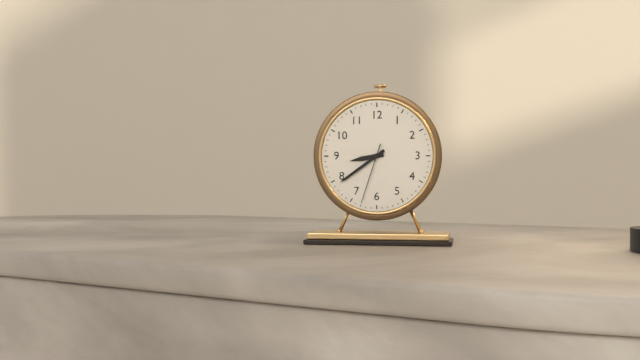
8:39:33
